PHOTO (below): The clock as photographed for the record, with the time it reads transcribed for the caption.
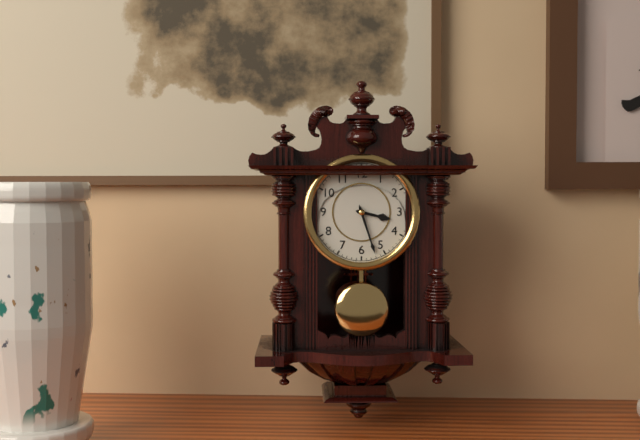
3:27
